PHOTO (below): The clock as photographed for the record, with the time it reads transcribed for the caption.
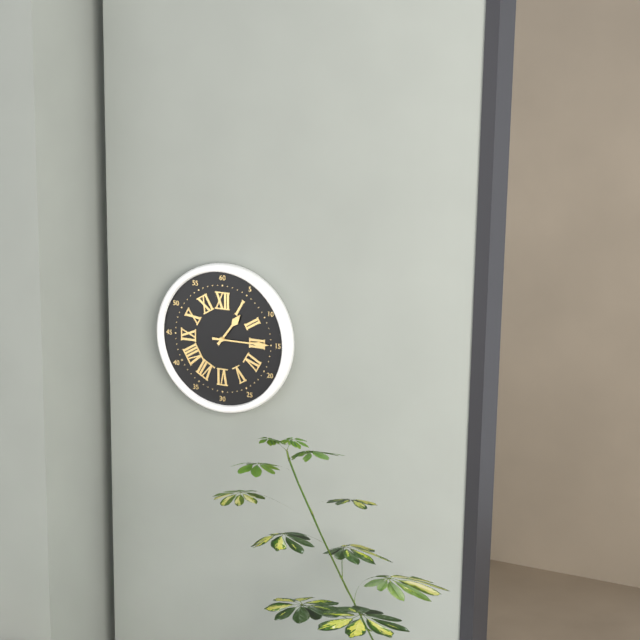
1:15
